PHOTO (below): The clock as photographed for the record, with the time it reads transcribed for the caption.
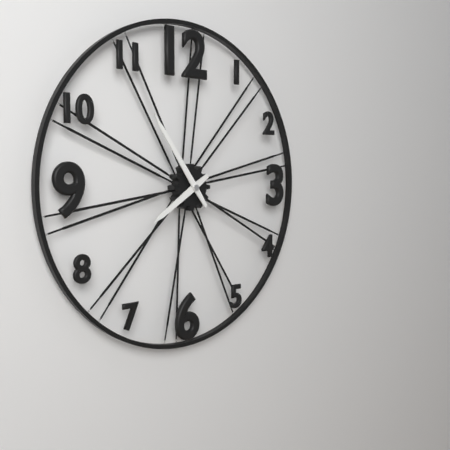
7:54
